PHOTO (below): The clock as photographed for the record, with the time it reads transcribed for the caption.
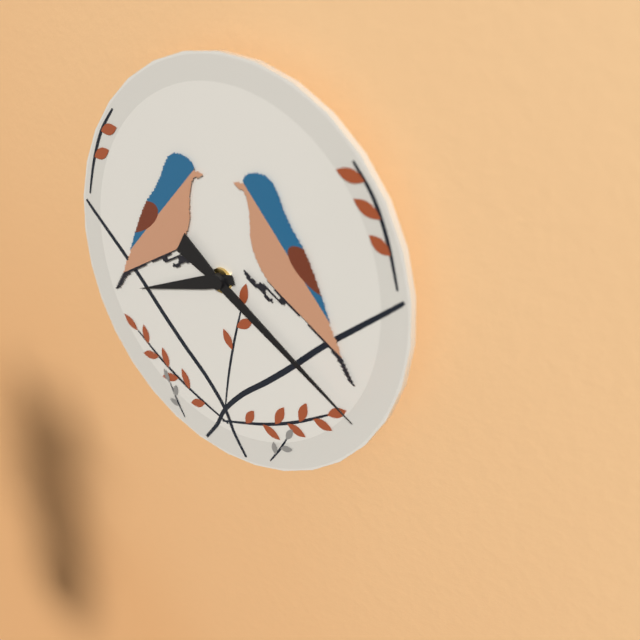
8:20
